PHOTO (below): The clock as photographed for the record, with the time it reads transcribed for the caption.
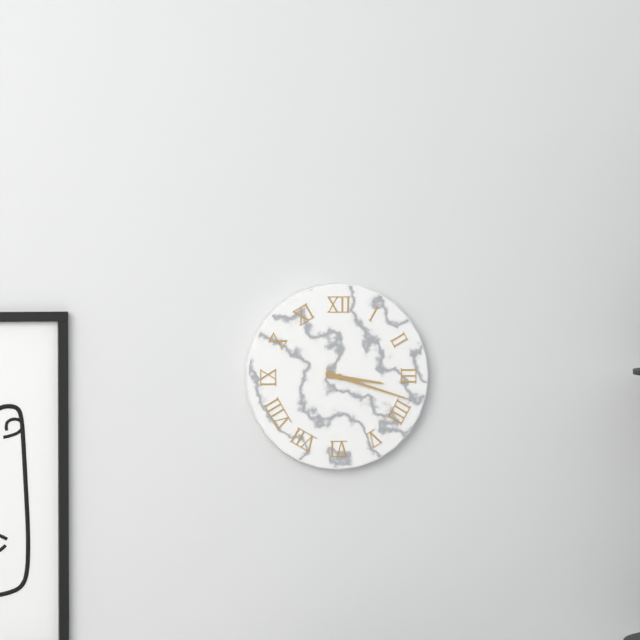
3:18
